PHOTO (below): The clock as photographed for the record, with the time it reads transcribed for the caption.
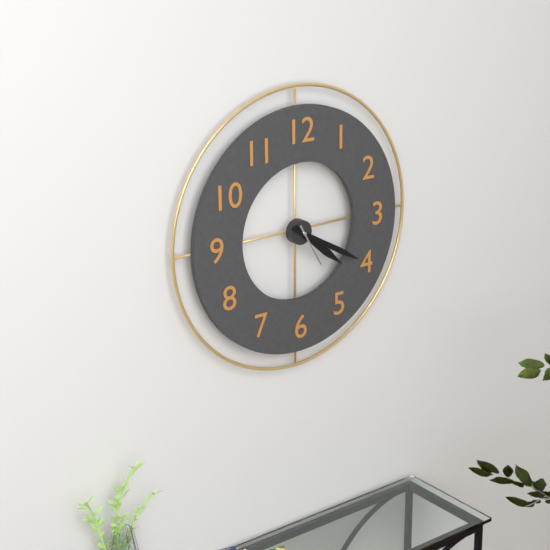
4:20
